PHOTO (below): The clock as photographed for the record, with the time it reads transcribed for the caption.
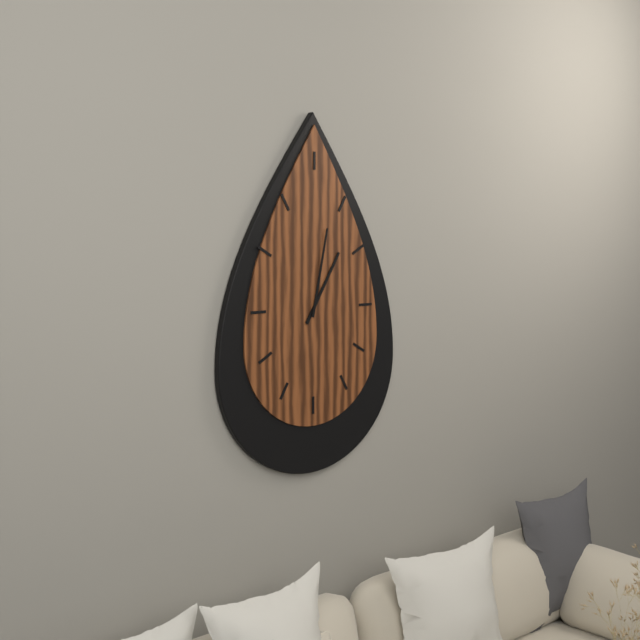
1:02
